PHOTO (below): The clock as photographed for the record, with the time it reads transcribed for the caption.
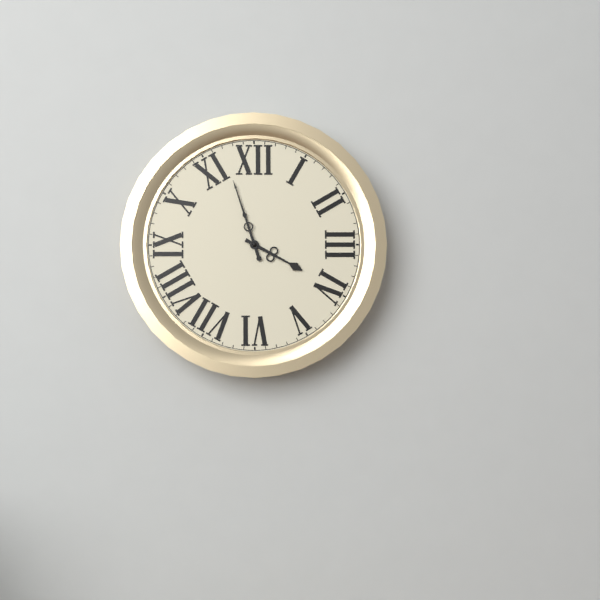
3:57
